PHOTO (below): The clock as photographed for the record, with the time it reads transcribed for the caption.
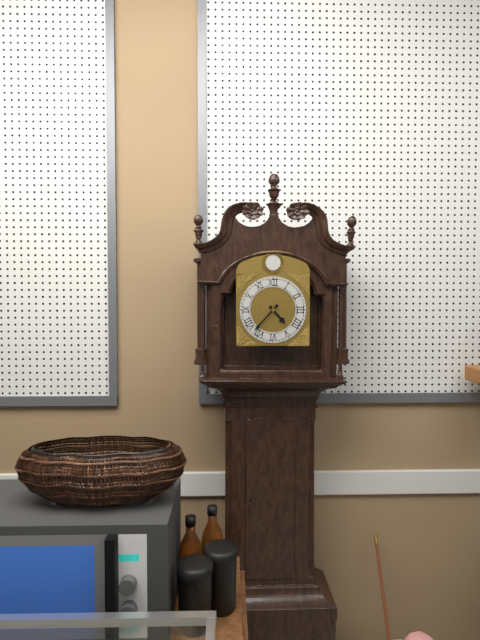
4:37
